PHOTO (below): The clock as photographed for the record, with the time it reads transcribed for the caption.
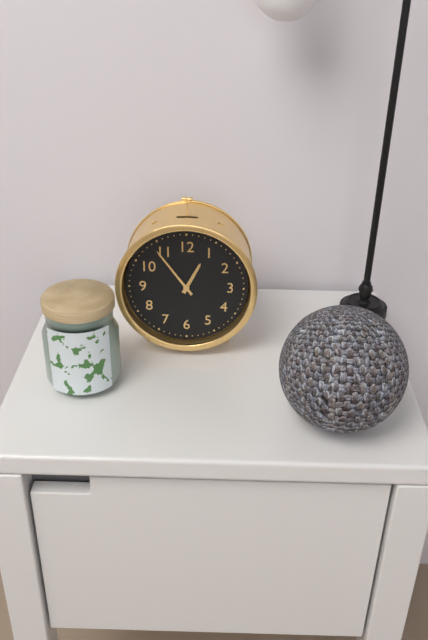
12:54
